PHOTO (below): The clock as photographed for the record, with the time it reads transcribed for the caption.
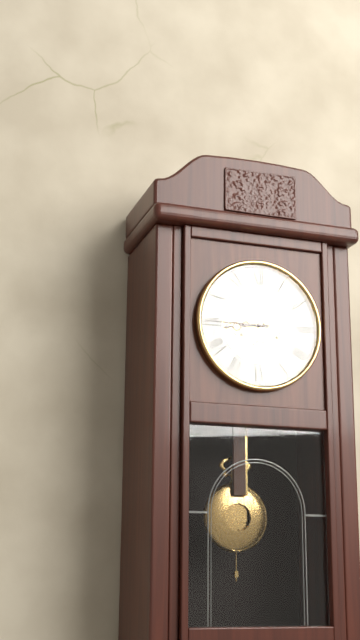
8:45
